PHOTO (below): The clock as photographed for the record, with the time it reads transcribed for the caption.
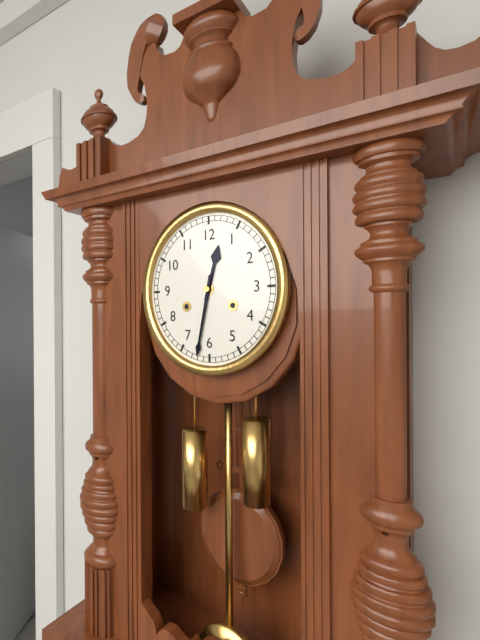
12:32
